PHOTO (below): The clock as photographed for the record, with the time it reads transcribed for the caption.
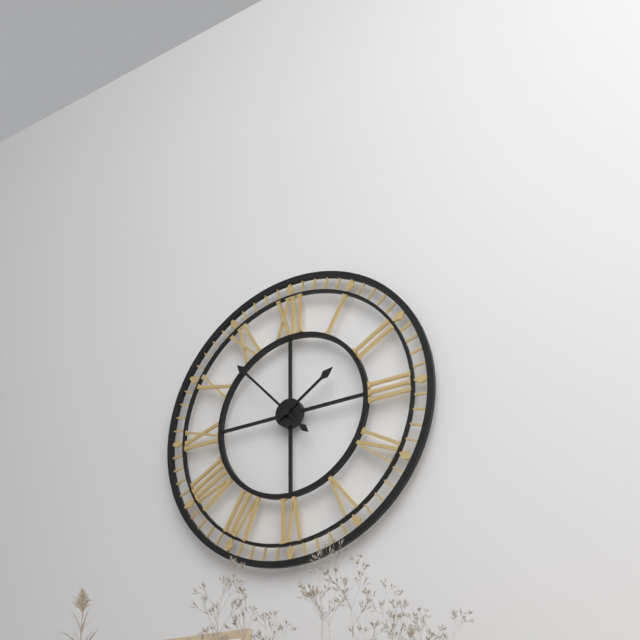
1:53
